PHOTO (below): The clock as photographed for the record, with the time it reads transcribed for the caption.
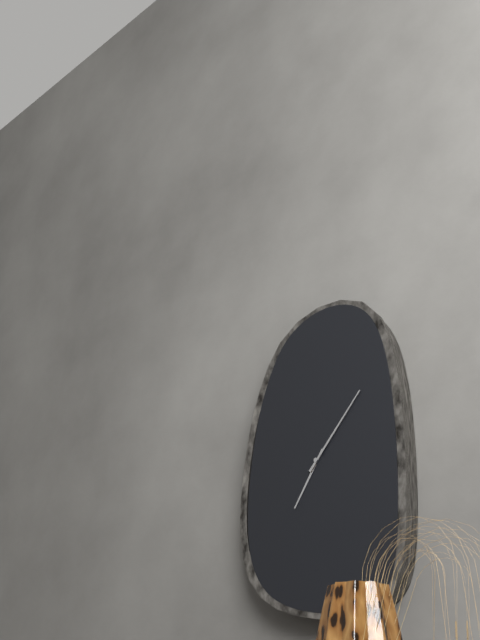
7:07
